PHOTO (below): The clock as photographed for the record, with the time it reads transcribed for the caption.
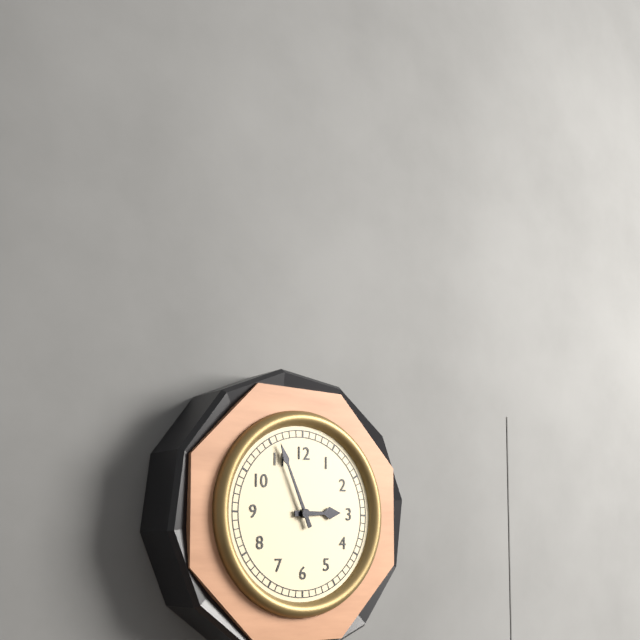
2:56
